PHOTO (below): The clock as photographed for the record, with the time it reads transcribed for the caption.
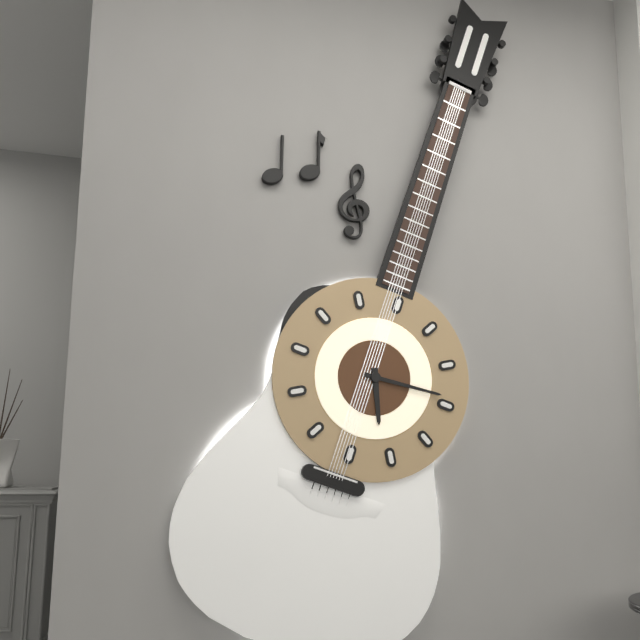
5:14
